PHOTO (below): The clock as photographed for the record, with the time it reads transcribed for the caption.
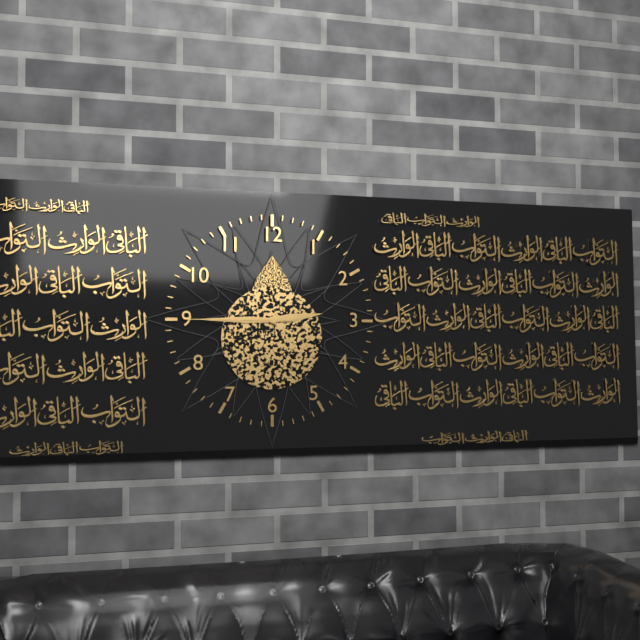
2:45:45
